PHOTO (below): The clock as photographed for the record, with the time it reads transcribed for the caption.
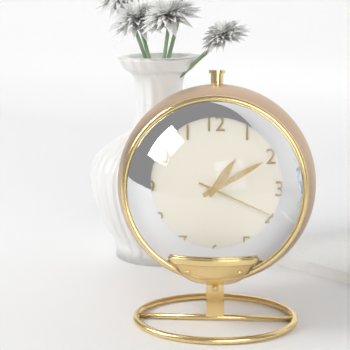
1:10:19
